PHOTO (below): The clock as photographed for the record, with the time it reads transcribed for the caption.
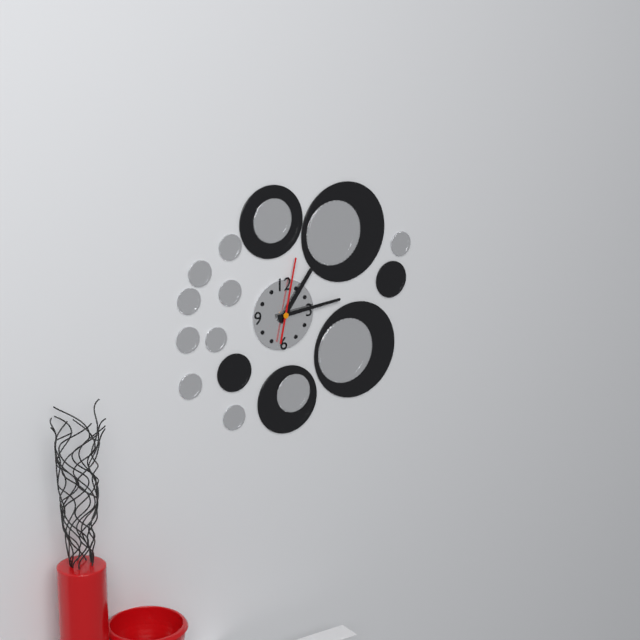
1:14:02
